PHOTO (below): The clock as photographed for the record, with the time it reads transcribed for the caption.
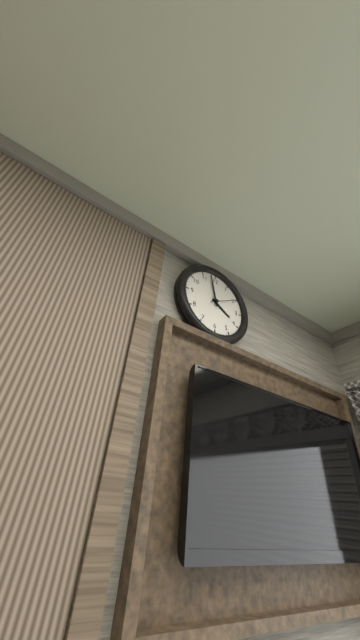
3:58
